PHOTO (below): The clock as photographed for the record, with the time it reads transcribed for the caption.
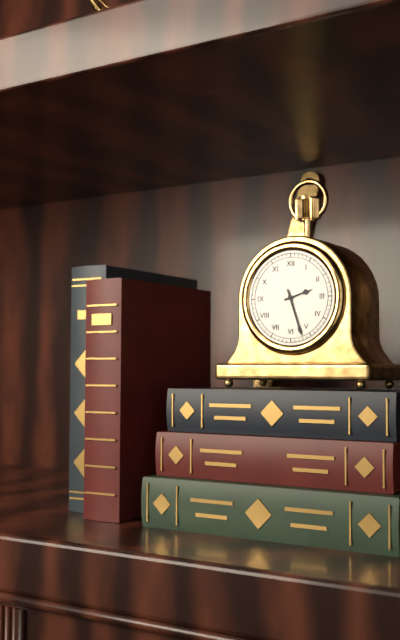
2:27
